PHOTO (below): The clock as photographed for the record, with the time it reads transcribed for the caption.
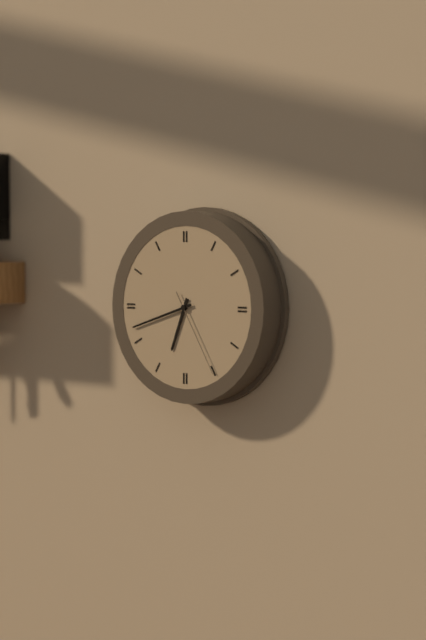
6:42:25
